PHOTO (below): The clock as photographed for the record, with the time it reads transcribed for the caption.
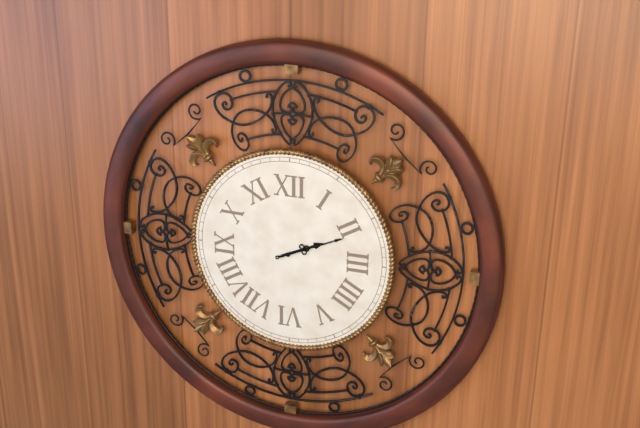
2:11
